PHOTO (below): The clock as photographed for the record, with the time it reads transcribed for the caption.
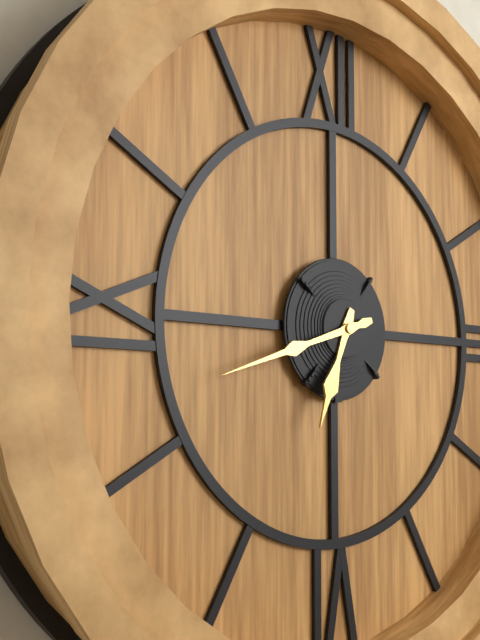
6:42
